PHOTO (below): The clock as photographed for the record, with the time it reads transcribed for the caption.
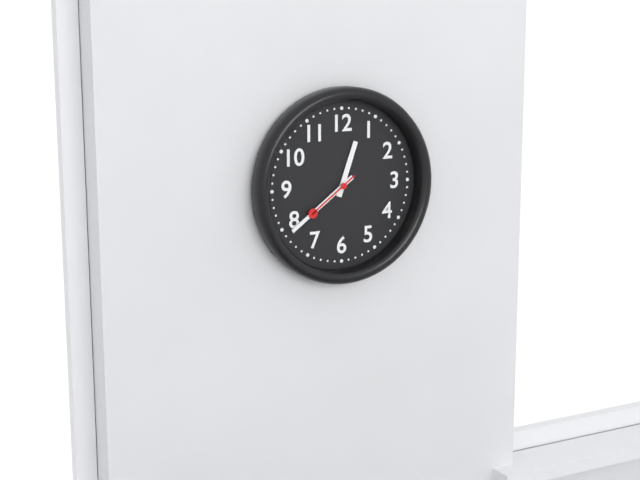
12:39:39
